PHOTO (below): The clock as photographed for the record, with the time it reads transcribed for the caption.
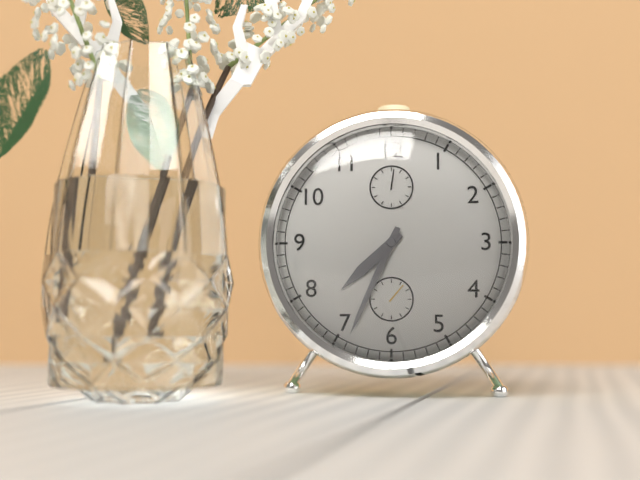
7:34
